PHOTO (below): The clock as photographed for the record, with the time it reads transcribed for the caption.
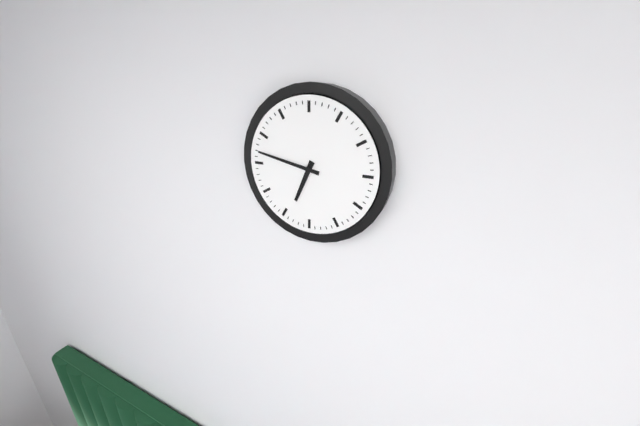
6:47
